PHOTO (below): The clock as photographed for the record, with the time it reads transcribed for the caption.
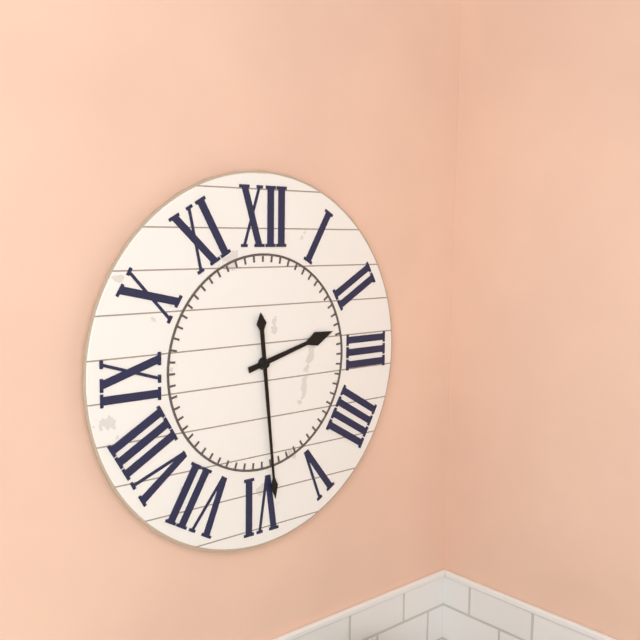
2:29
